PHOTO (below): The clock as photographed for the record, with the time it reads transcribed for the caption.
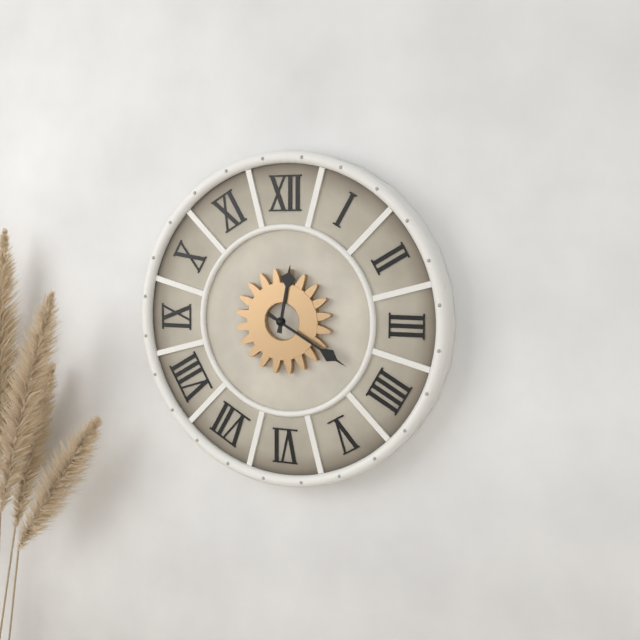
12:20
